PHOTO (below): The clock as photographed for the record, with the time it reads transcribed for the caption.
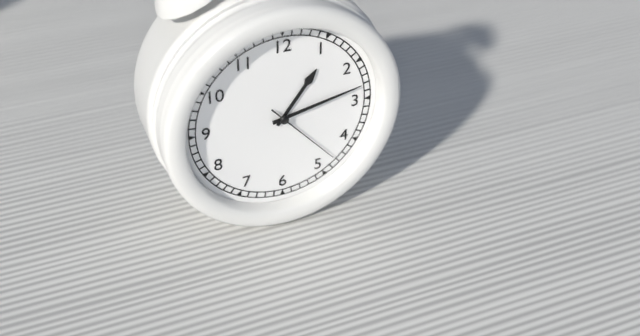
1:13:23
